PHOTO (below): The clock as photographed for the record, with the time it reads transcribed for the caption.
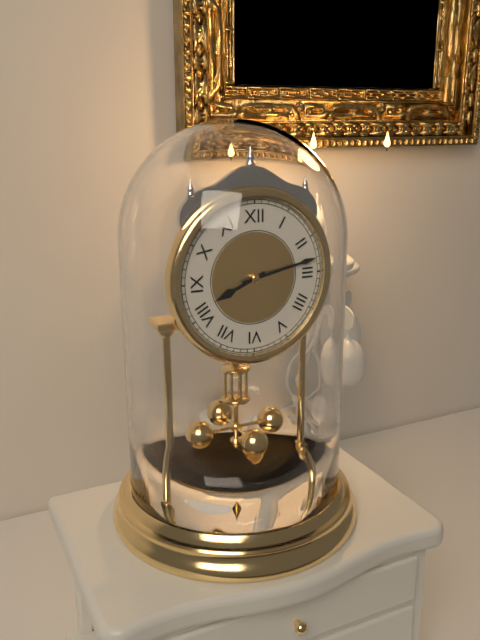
8:13
